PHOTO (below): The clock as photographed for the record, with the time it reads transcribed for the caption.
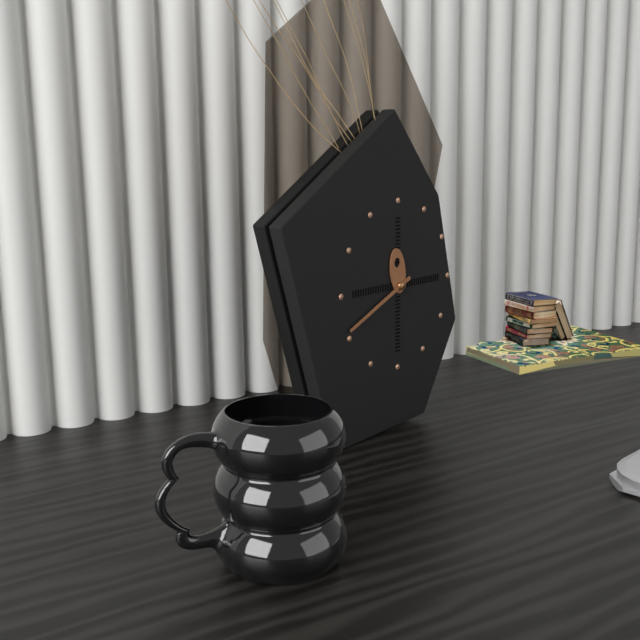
11:41
